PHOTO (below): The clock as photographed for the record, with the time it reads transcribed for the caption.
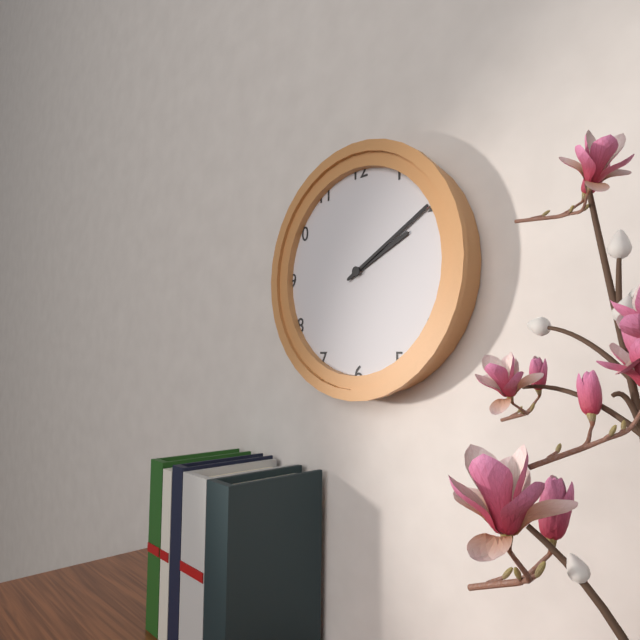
2:10
